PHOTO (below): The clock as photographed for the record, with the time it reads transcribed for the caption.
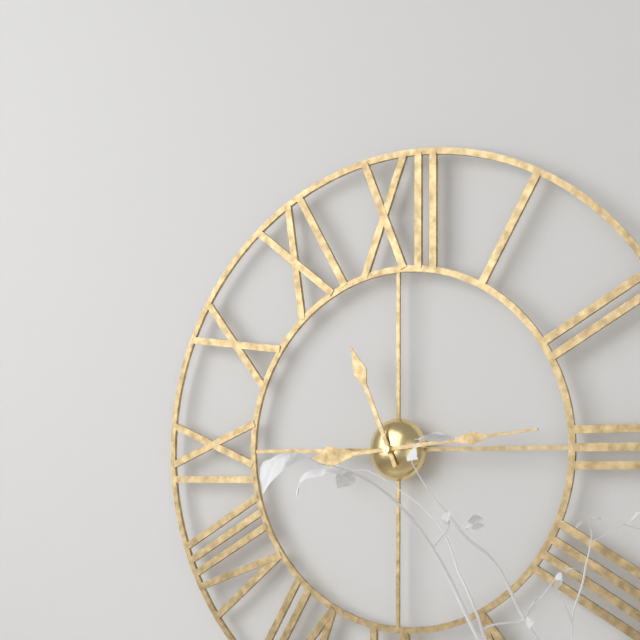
11:14
